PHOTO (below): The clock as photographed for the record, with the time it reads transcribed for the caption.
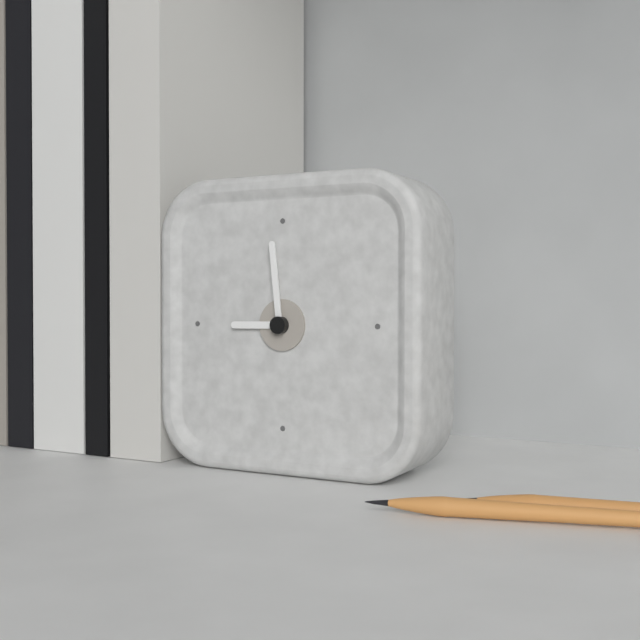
8:59
